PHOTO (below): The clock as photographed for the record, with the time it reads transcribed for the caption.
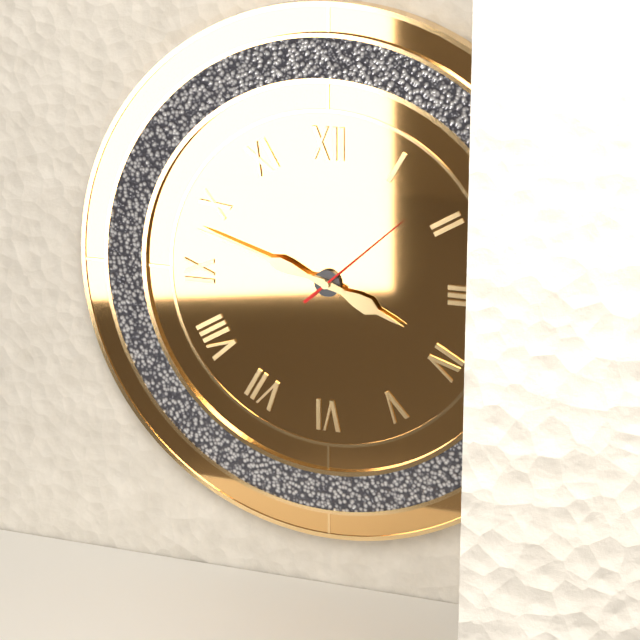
3:48:08
